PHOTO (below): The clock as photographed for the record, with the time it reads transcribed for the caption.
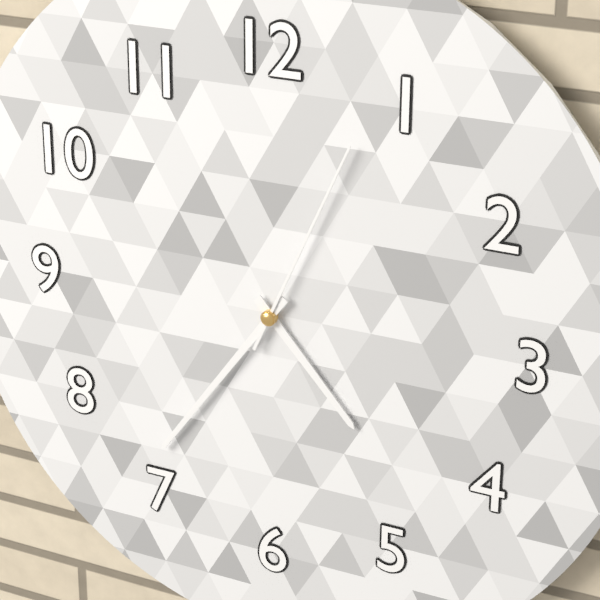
4:36:04
